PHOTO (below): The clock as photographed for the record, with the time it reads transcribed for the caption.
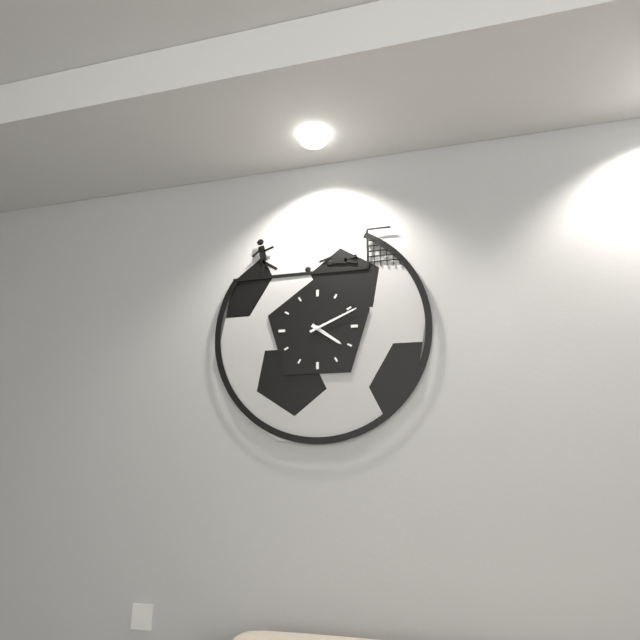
4:11
